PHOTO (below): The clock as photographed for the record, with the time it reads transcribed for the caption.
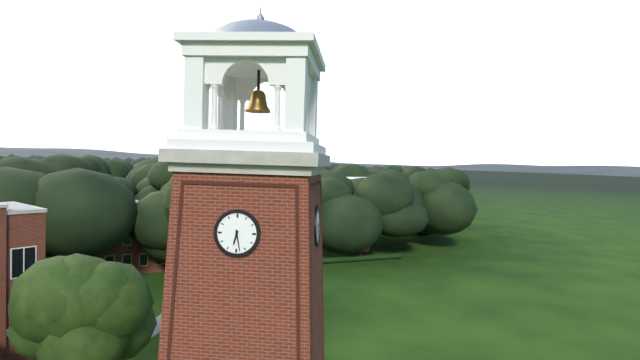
6:28
